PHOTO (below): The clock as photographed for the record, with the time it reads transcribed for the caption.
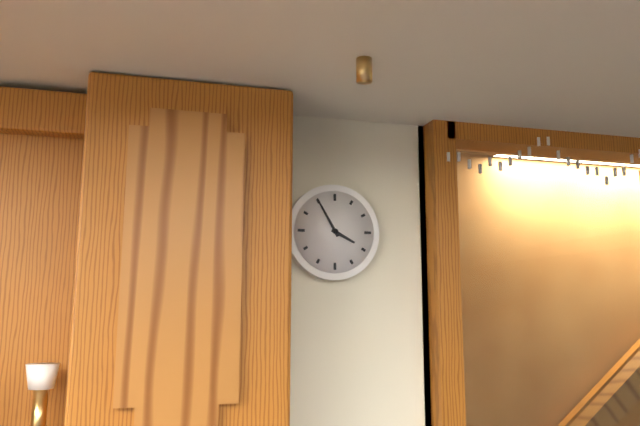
3:55
